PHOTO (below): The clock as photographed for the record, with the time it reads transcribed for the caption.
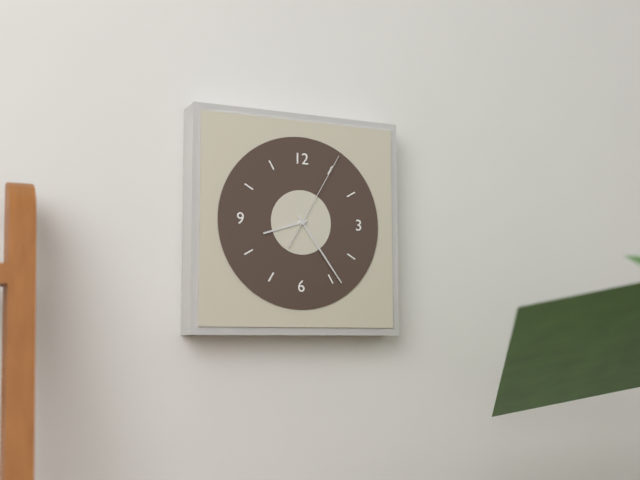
8:24:05
